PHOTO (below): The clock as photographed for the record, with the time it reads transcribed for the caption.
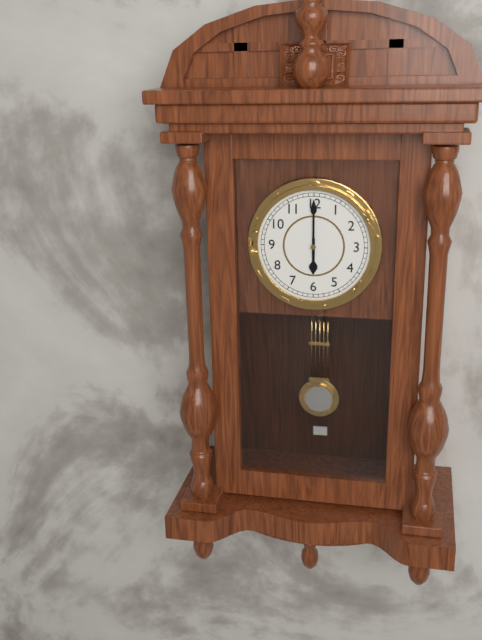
6:00
